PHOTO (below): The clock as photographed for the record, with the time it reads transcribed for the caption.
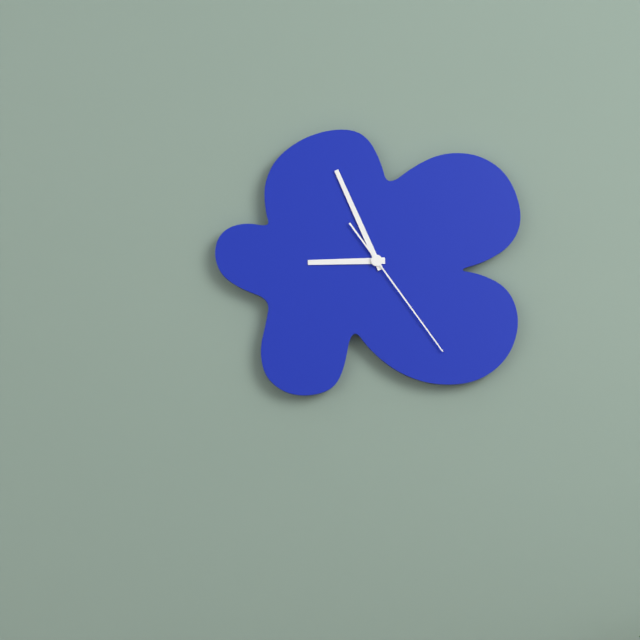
8:56:24
